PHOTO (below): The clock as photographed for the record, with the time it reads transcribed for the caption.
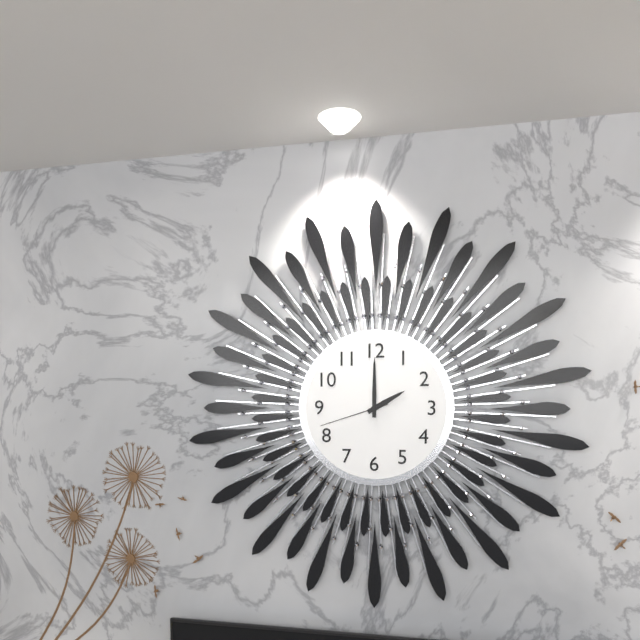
2:00:42
